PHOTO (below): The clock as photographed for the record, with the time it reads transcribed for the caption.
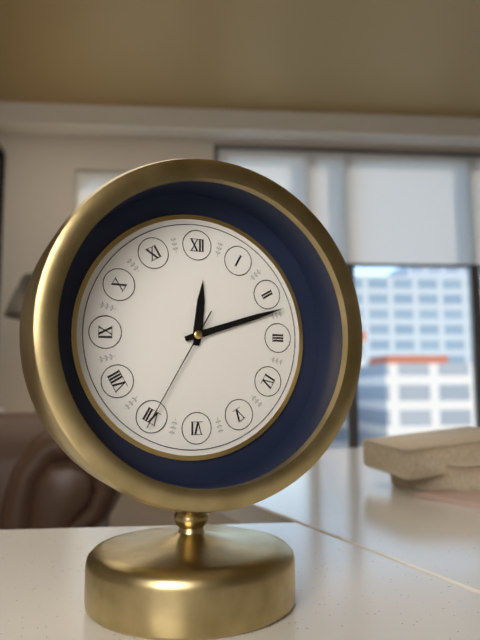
12:12:35
